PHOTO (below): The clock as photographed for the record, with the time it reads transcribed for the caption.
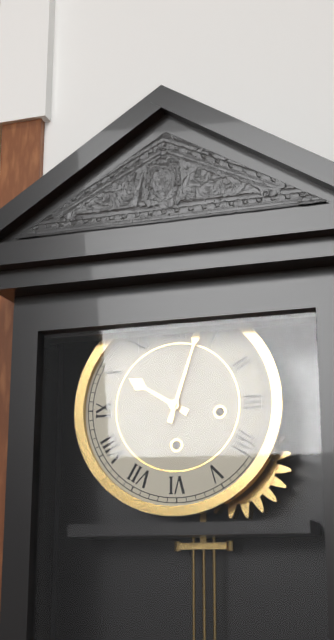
10:03
